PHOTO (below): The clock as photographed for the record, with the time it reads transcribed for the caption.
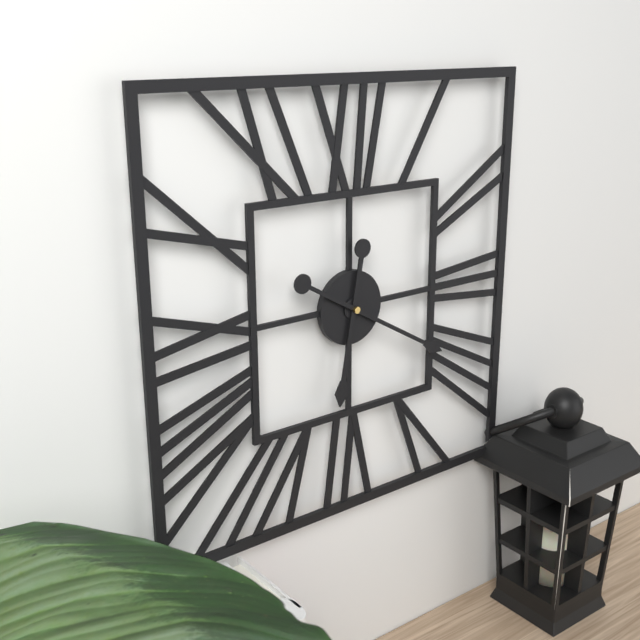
6:20
